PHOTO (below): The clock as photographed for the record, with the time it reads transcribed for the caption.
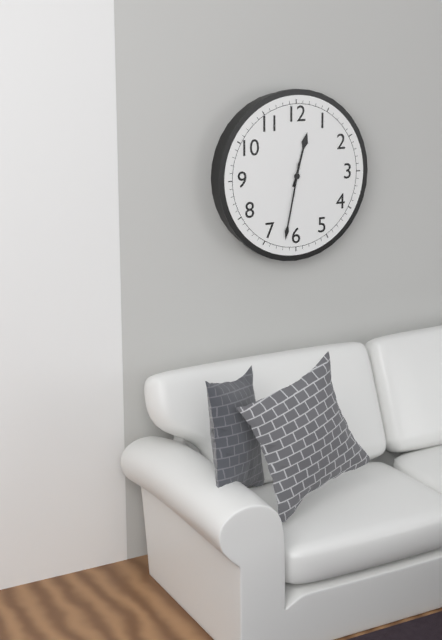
12:32
